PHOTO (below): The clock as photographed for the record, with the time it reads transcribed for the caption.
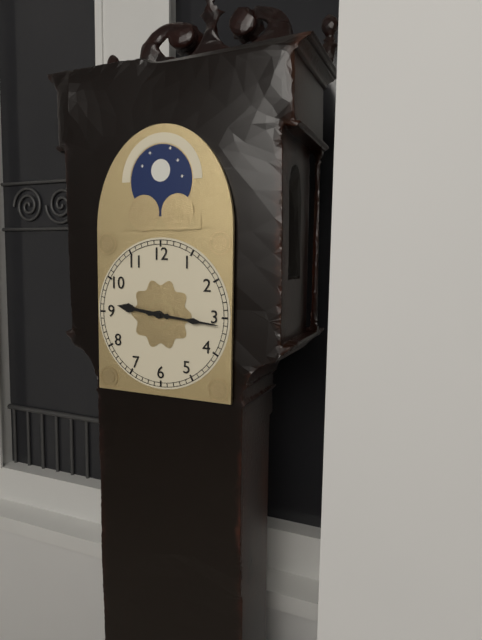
9:16
